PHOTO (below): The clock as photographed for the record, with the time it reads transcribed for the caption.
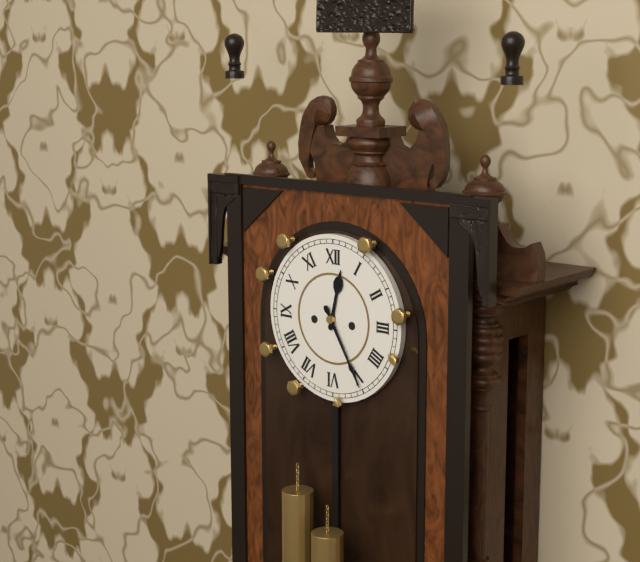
12:25
